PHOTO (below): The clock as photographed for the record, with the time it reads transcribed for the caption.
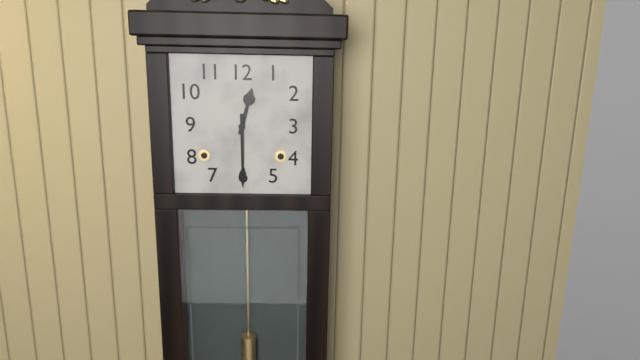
12:30
